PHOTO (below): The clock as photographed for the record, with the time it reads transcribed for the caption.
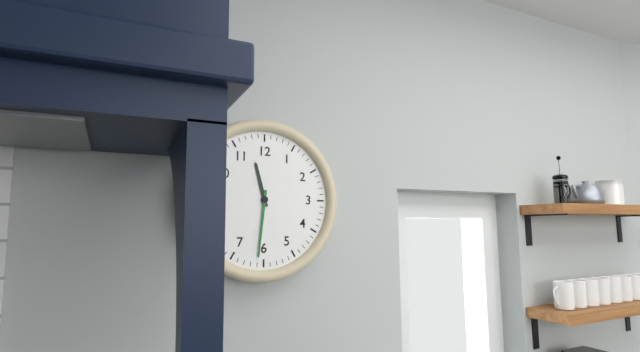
11:31
